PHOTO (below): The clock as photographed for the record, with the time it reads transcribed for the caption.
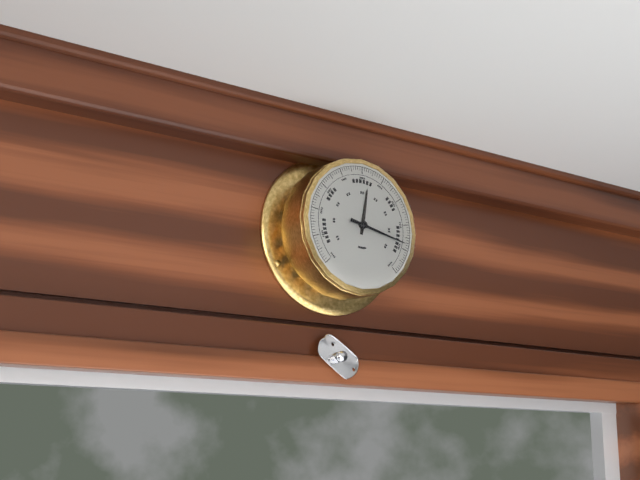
12:17
